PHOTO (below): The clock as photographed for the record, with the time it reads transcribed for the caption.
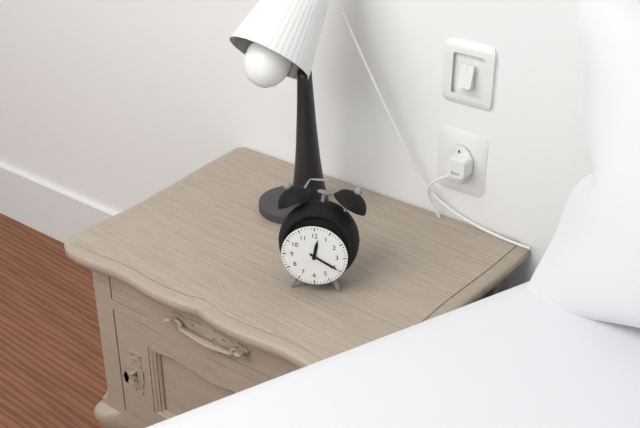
12:20
